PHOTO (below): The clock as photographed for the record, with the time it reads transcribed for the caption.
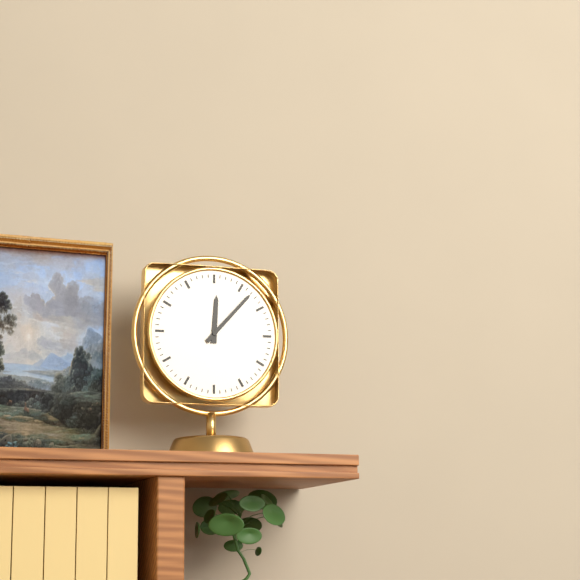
12:07
